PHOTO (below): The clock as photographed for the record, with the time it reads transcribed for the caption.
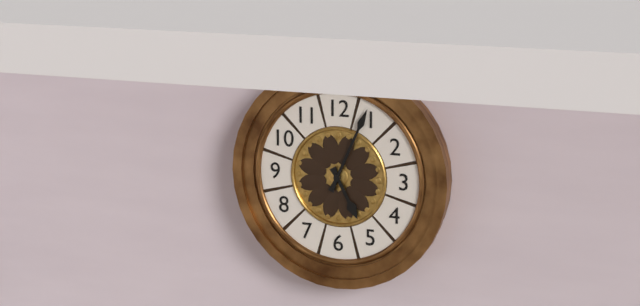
5:04
